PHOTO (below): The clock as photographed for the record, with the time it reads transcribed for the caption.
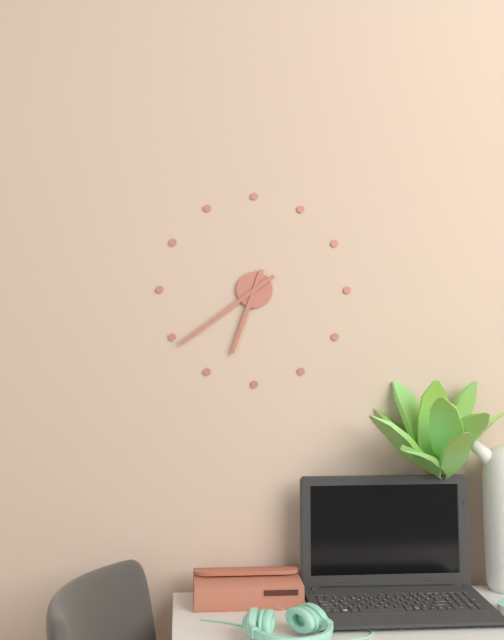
6:39
